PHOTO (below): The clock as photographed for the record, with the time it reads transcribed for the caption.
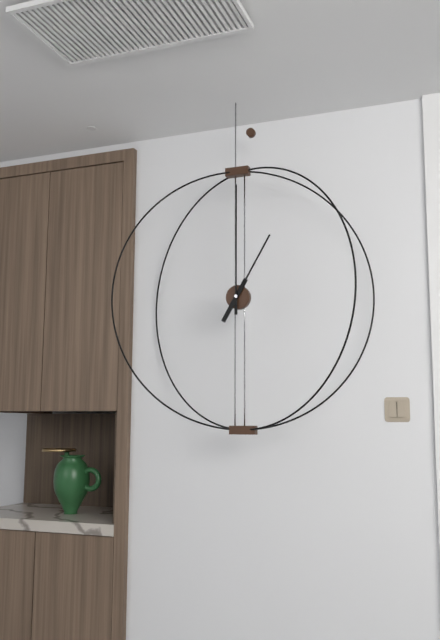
1:00
